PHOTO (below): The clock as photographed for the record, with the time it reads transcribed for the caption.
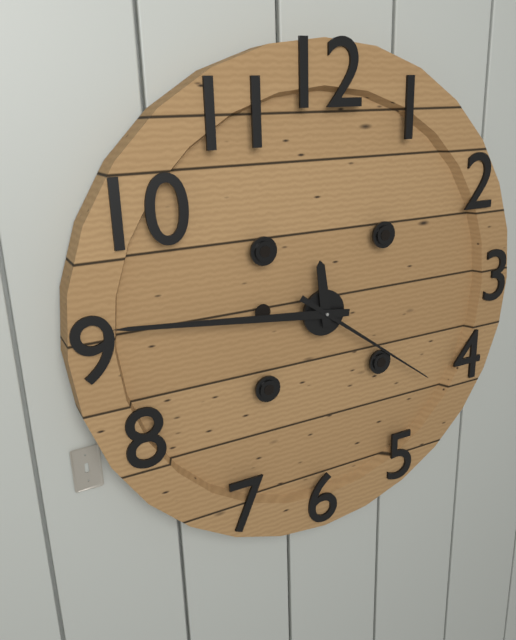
11:46:21
